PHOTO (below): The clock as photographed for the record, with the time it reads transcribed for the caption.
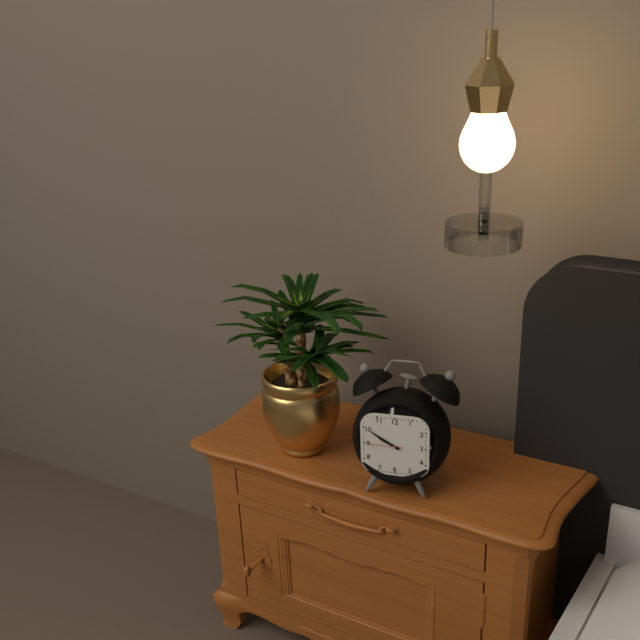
9:50
